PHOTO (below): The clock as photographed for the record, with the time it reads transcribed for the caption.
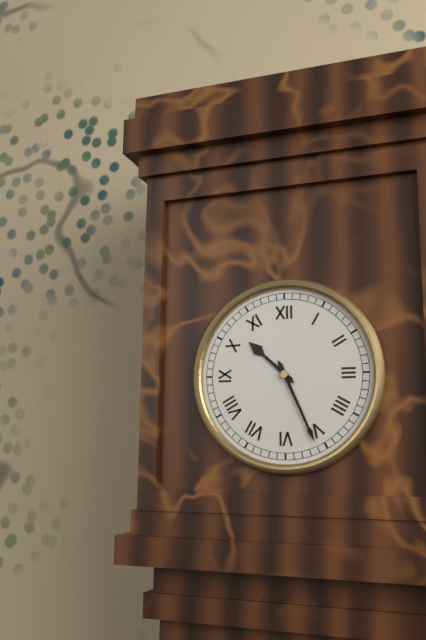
10:26
